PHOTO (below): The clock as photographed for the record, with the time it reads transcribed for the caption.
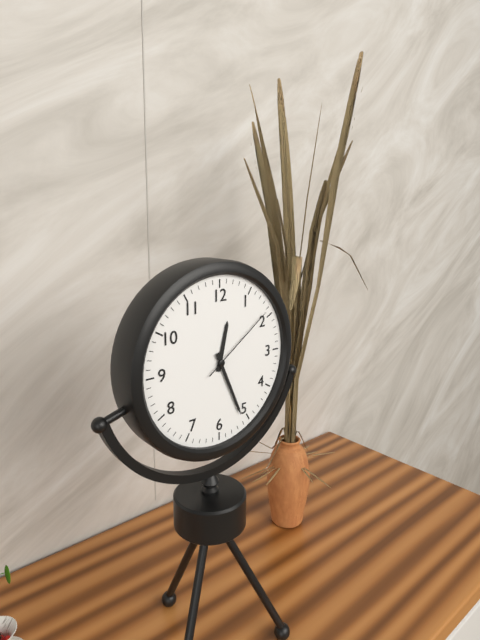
12:26:09
